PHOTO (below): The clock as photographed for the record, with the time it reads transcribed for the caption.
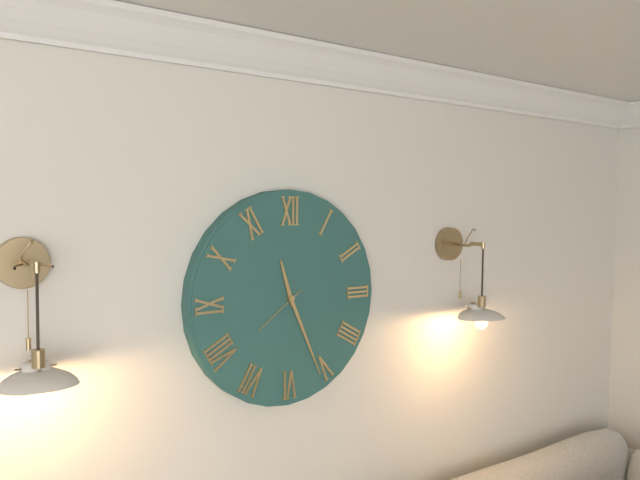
11:26:39
